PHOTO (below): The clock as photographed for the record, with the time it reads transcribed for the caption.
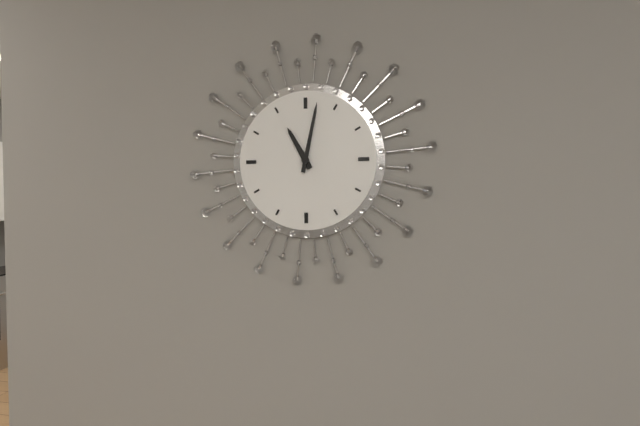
11:02
